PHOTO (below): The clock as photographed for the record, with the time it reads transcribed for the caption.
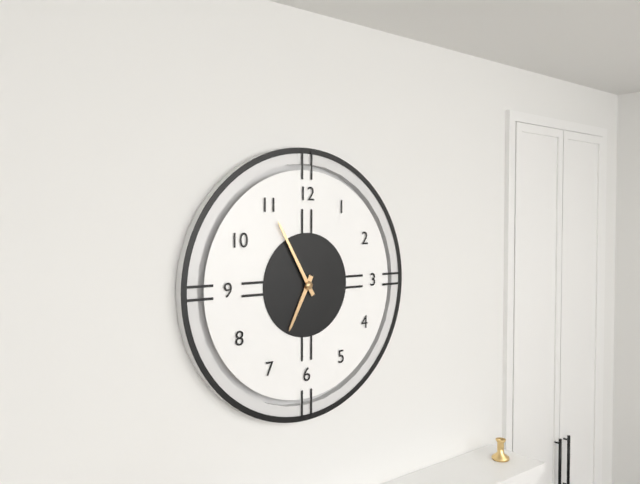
6:55
